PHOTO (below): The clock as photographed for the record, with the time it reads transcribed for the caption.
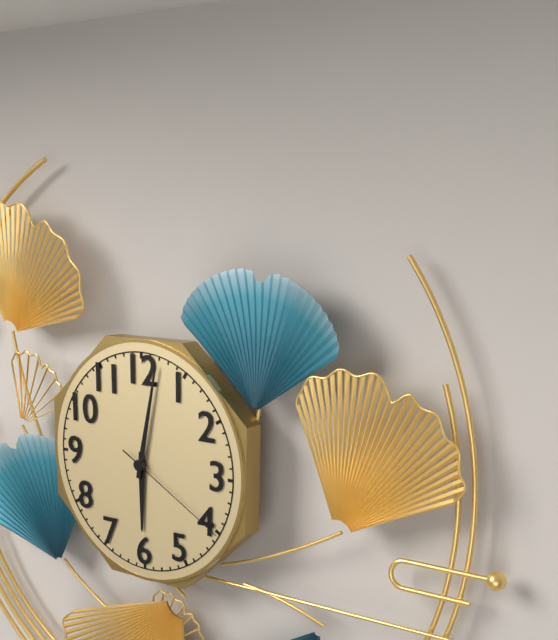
6:02:20
